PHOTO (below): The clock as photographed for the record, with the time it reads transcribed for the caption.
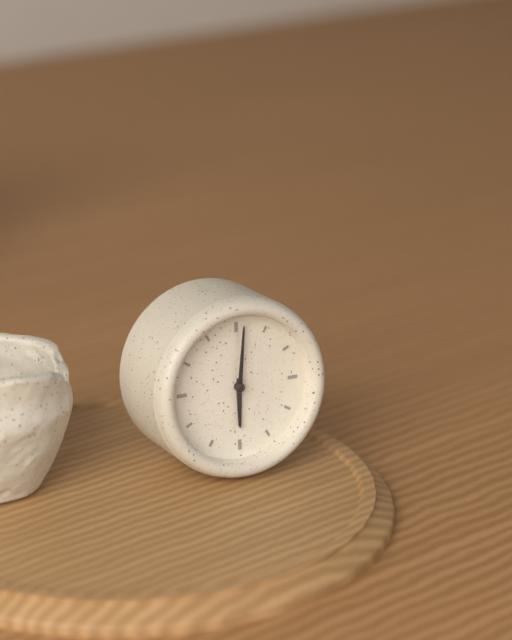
6:01
